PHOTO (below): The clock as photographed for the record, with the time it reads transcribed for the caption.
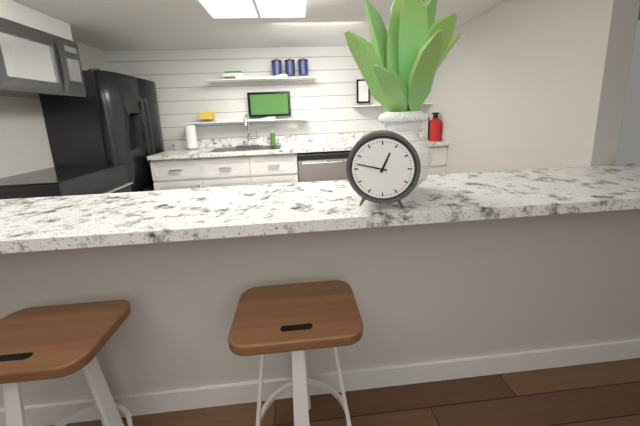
12:47
